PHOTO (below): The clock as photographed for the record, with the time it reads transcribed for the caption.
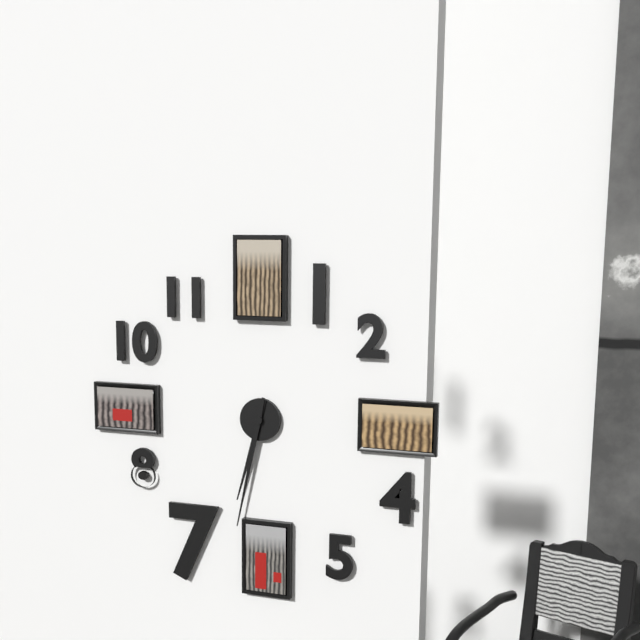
6:32
